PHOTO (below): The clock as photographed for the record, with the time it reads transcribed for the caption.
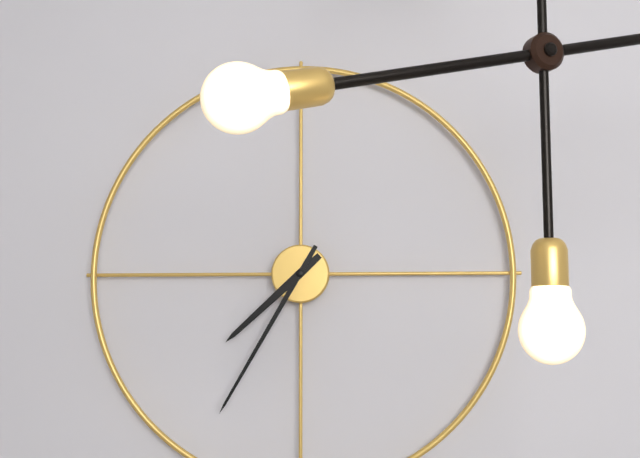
7:35
